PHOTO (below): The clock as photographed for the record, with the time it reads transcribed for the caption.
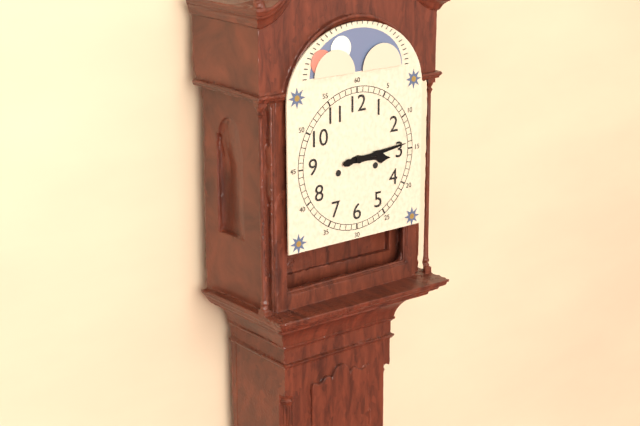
3:14
